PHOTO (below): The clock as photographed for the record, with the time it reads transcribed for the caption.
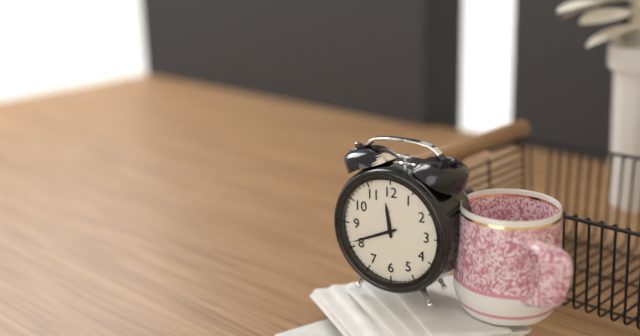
11:41
